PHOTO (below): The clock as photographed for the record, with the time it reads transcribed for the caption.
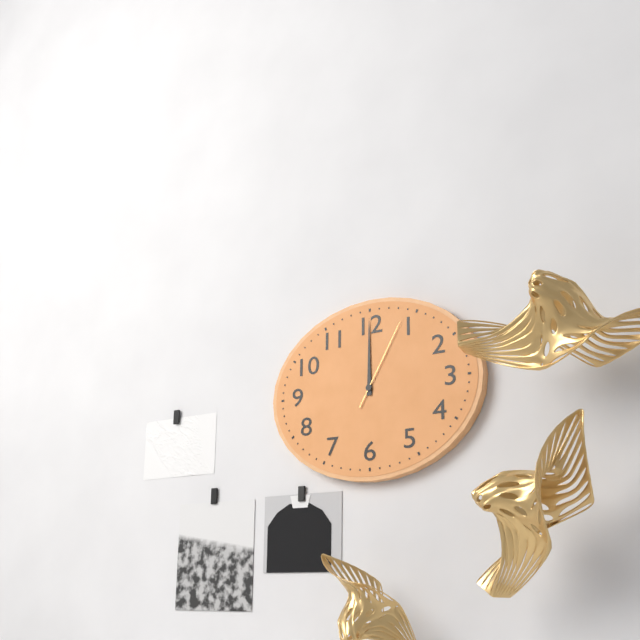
12:00:05
